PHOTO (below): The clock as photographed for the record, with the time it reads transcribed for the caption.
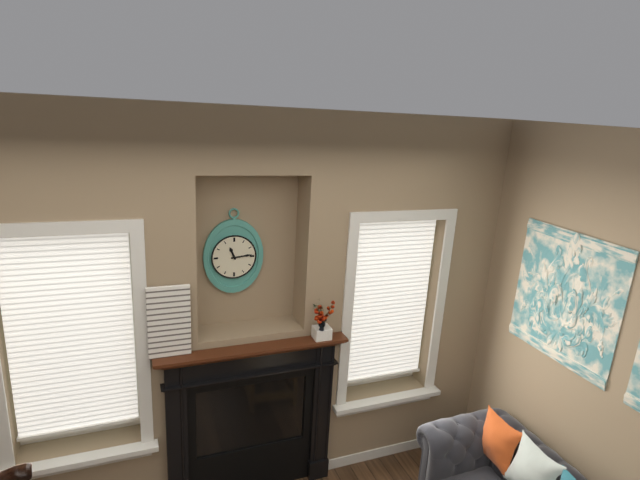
11:14
